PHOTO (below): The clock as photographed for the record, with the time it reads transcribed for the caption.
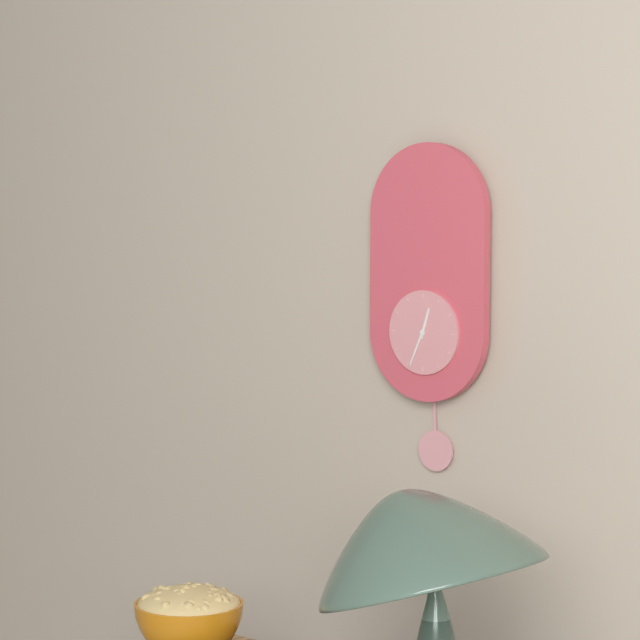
12:34
